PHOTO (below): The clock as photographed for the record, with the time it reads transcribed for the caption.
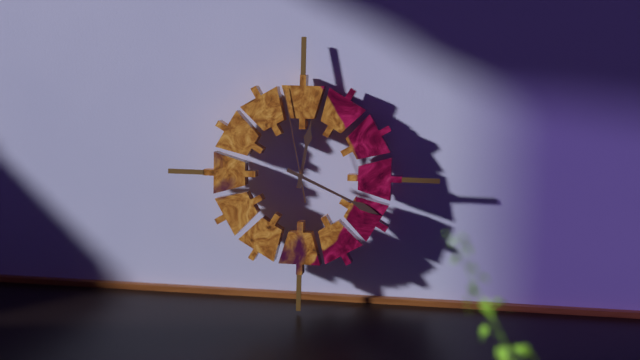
12:19:58
